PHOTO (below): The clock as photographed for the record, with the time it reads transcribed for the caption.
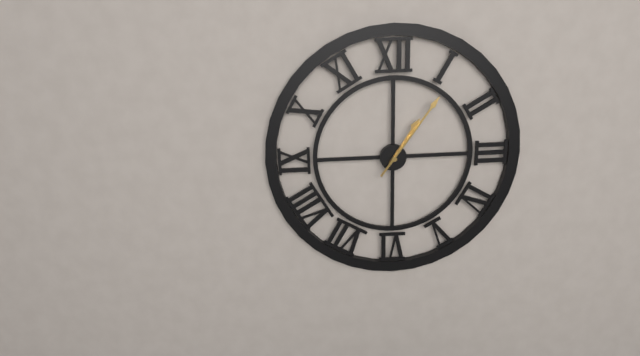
1:06
